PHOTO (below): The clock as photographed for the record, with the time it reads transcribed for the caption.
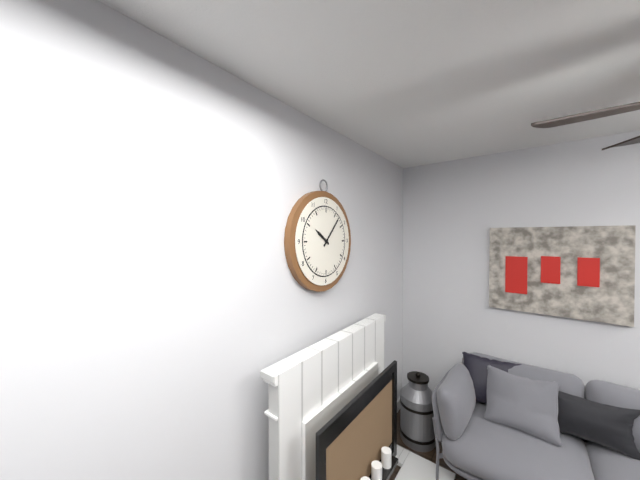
10:07
